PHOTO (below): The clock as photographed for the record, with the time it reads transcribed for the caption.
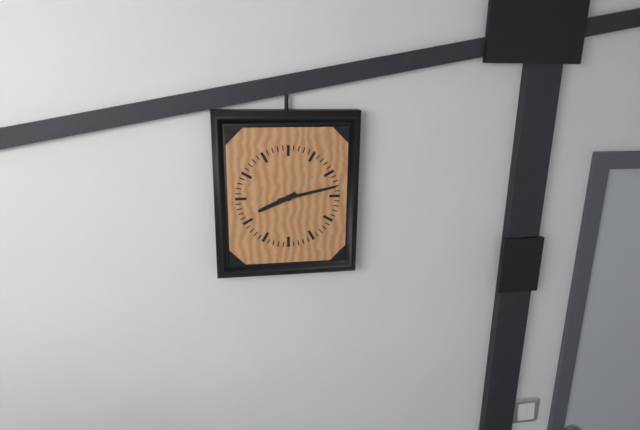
8:13
